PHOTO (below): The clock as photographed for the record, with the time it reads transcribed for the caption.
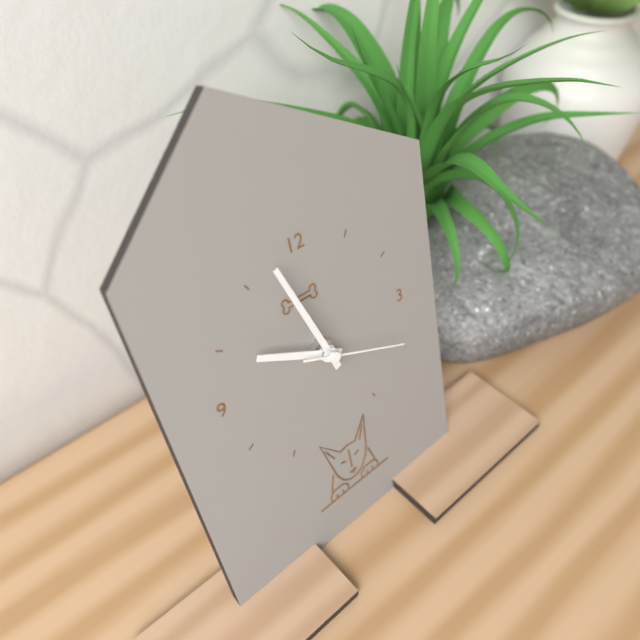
9:57:19
